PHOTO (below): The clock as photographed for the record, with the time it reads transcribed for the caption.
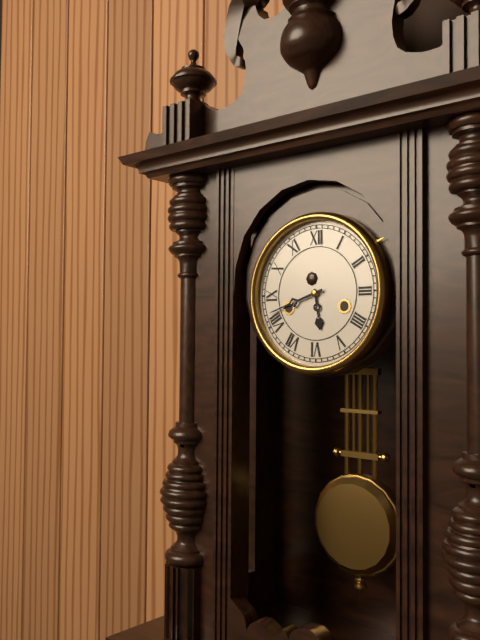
5:42
